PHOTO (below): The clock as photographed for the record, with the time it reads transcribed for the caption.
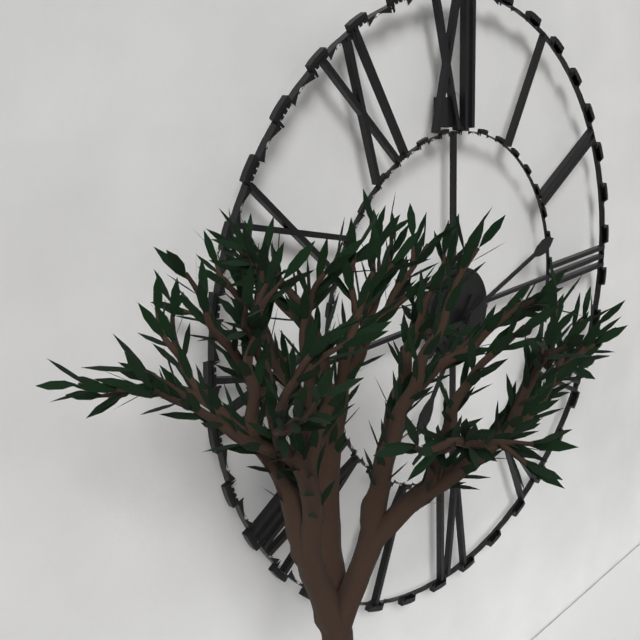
7:12
